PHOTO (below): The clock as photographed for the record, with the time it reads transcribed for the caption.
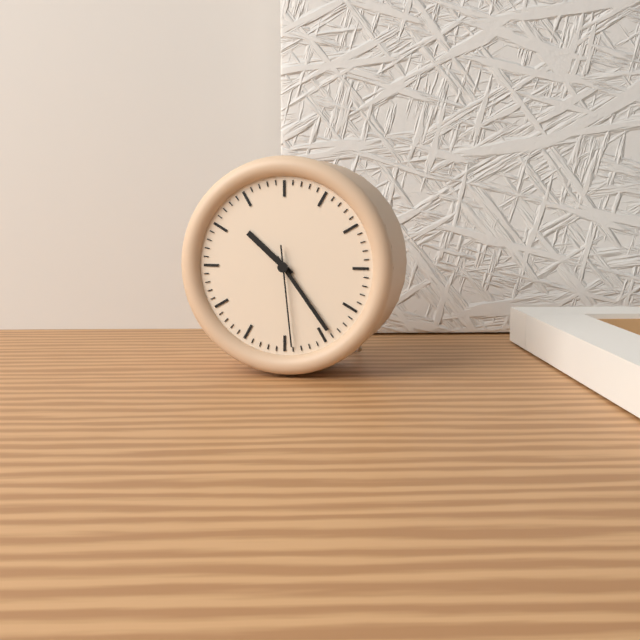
10:24:29
